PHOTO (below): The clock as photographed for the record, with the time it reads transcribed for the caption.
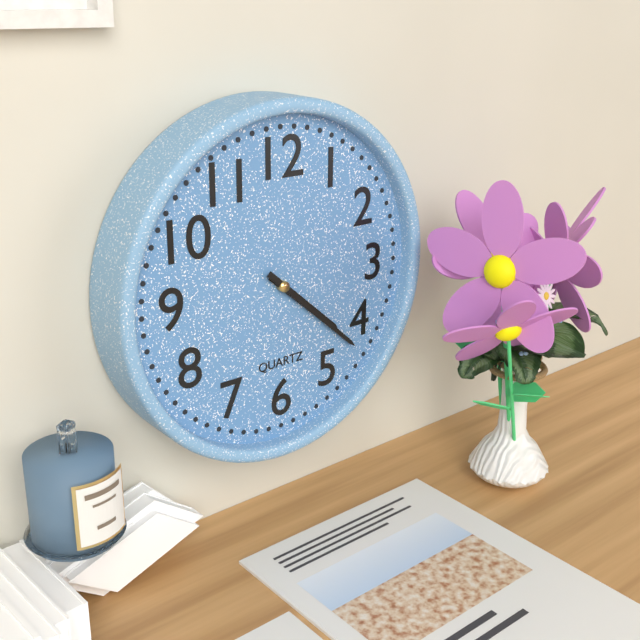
4:22
